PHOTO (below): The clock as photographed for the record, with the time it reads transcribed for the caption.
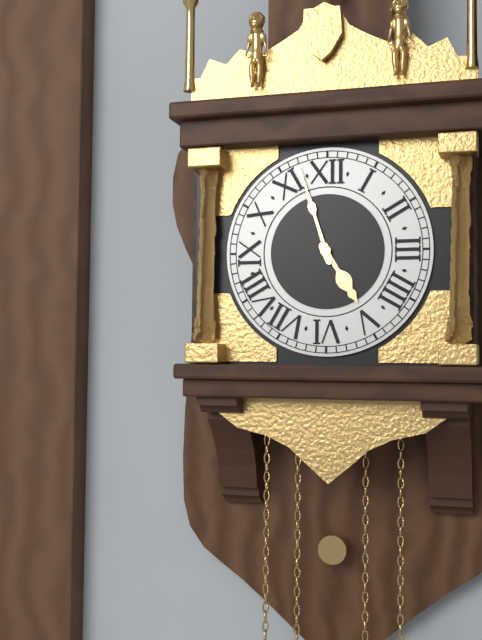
4:57
